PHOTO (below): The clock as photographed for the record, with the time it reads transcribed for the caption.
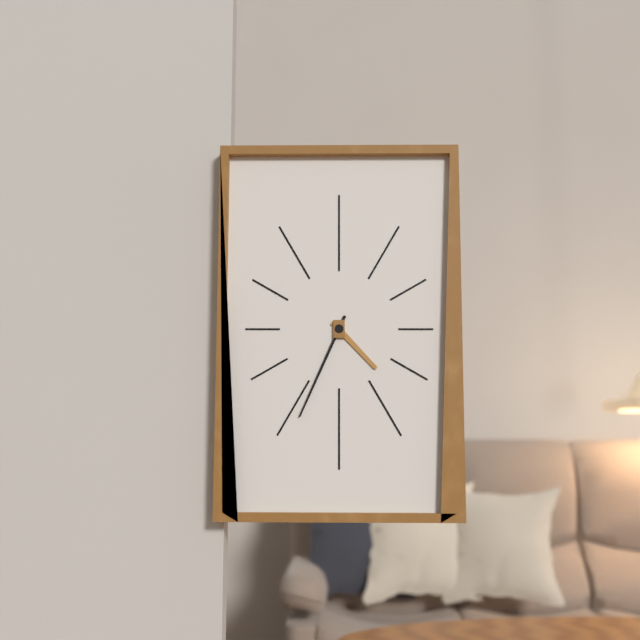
4:34
